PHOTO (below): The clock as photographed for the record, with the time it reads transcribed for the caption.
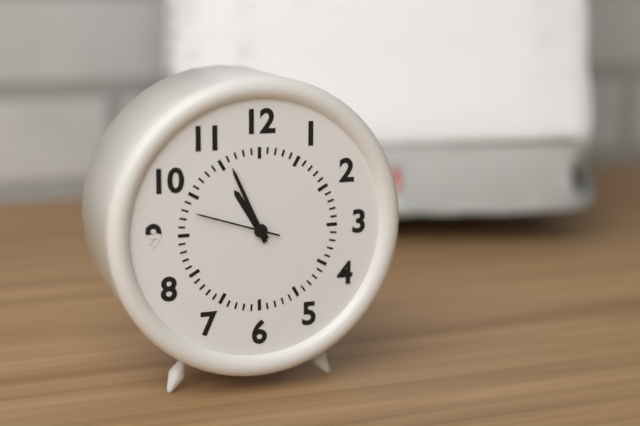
10:56:48
